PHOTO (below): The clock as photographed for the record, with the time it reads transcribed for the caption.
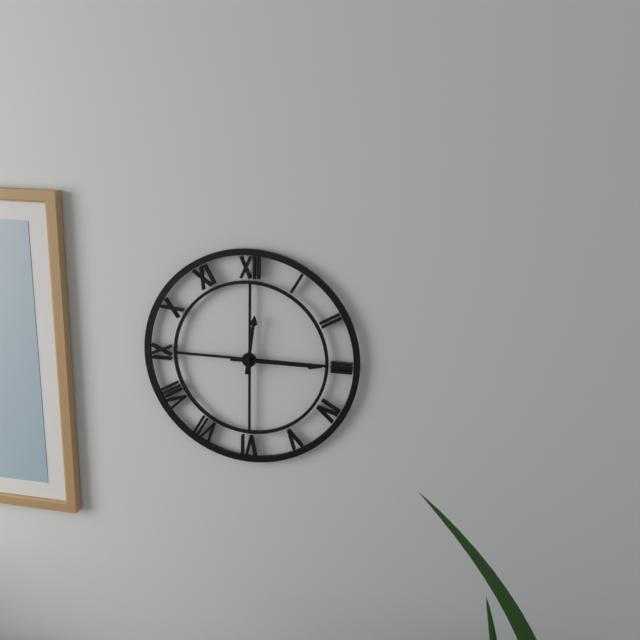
12:15
